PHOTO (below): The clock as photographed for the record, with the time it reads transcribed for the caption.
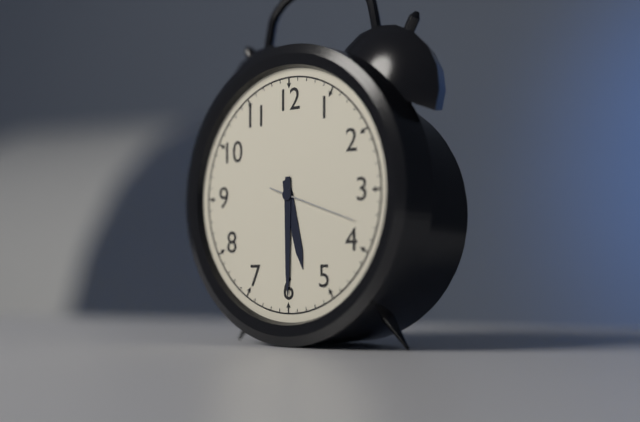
5:30
